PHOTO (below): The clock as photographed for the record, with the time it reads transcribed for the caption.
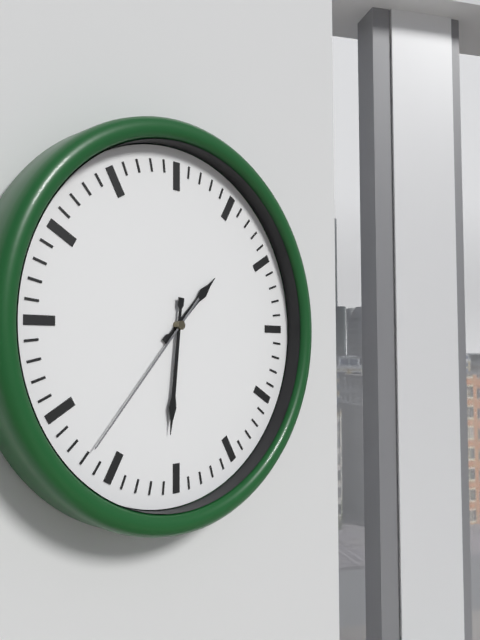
1:31:37
